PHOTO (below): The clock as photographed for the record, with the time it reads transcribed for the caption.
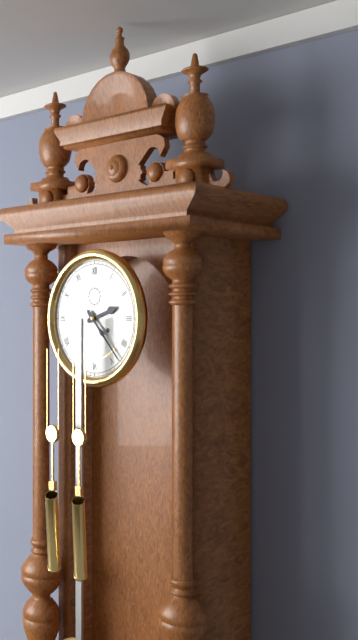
2:23
